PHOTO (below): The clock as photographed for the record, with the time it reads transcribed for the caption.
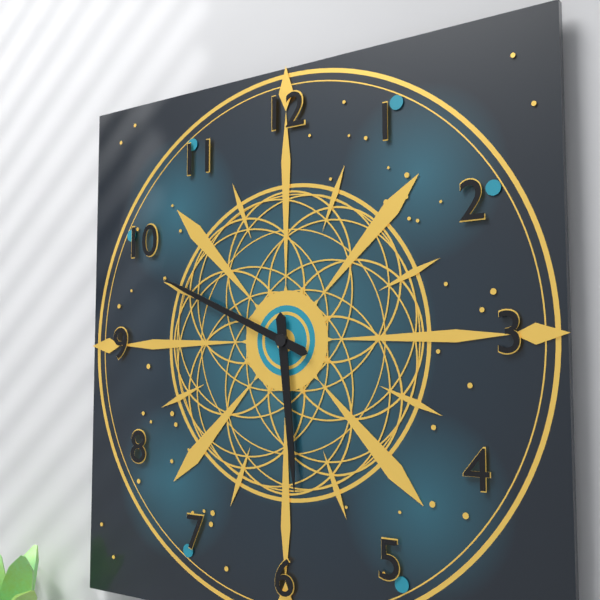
5:49
